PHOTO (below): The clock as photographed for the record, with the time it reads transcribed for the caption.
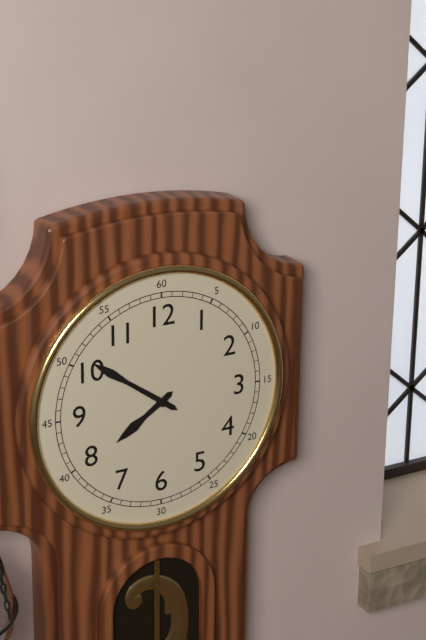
7:51
